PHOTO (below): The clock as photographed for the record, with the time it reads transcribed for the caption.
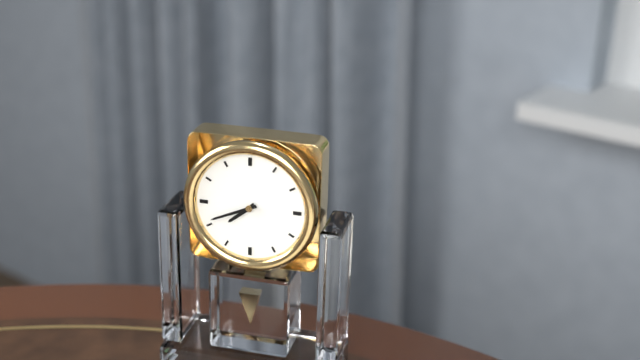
7:41
